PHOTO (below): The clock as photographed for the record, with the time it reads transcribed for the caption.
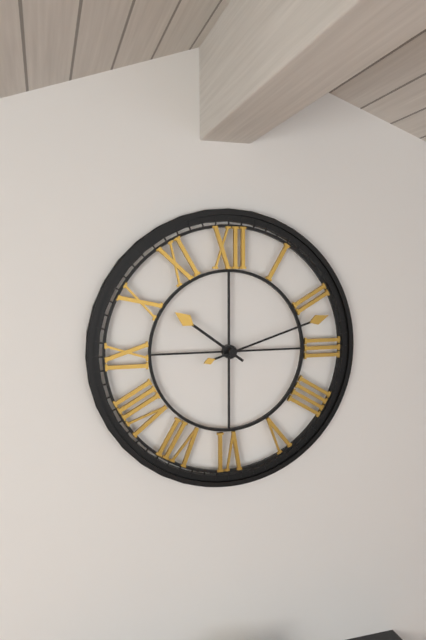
10:12
